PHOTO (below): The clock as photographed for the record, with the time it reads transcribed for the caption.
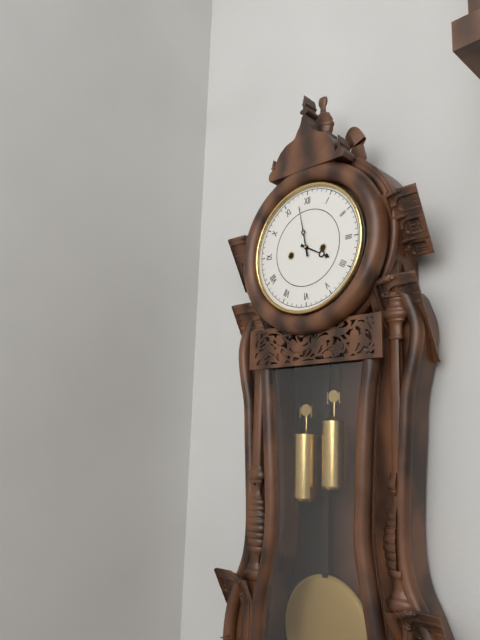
3:58
